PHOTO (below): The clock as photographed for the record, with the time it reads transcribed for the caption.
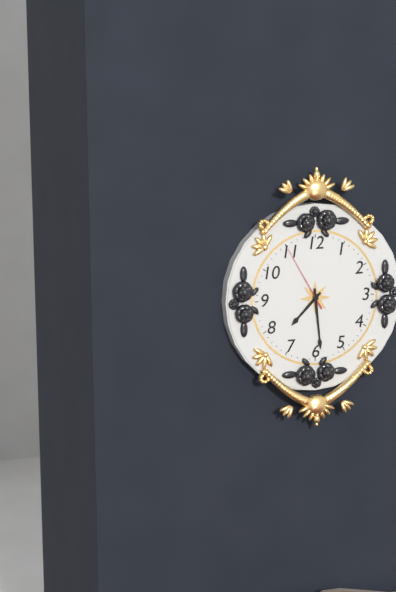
7:29:55
